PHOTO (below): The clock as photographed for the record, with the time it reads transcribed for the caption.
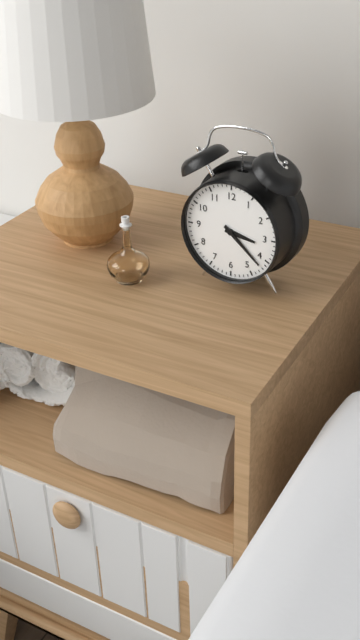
3:22
